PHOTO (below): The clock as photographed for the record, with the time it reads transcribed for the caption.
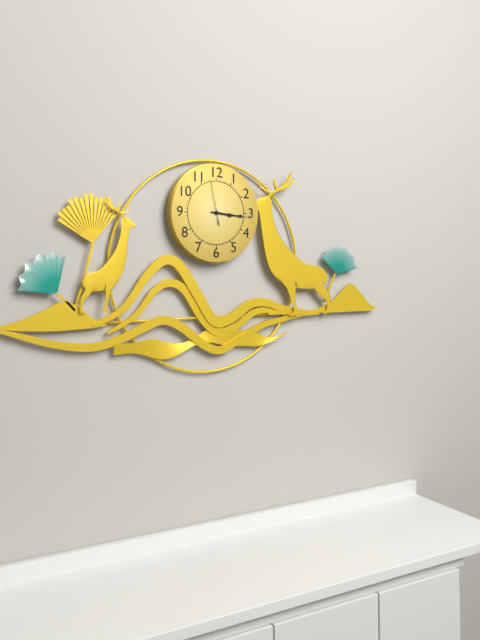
3:16
